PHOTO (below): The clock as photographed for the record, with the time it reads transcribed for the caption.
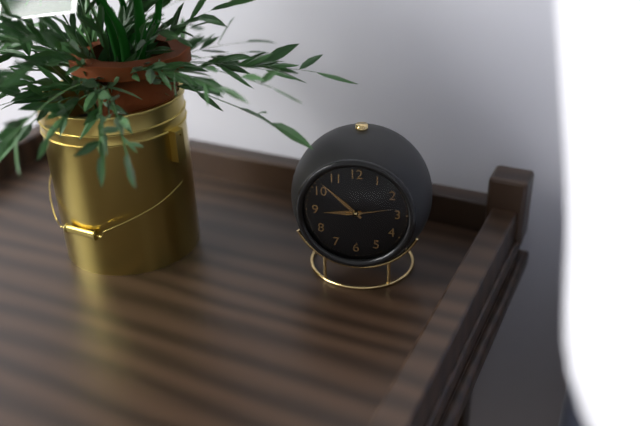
8:52
